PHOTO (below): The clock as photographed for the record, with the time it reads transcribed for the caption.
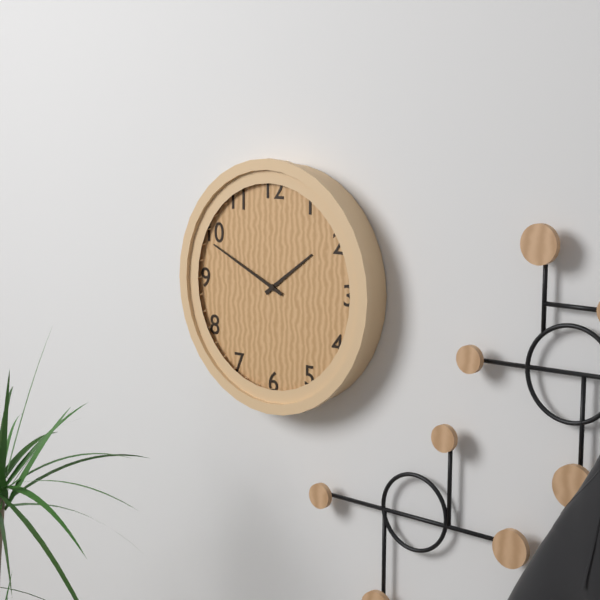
1:49
